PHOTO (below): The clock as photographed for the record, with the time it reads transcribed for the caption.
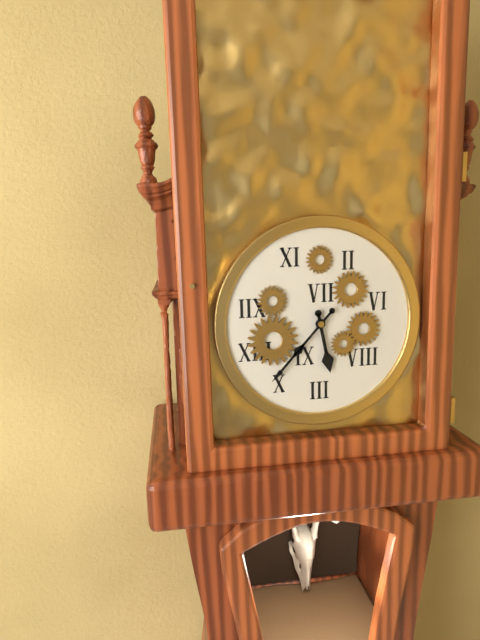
5:37
